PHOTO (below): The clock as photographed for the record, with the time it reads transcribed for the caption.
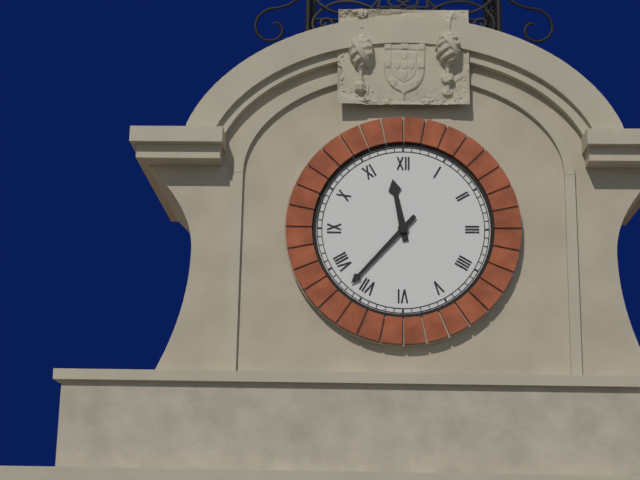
11:37
